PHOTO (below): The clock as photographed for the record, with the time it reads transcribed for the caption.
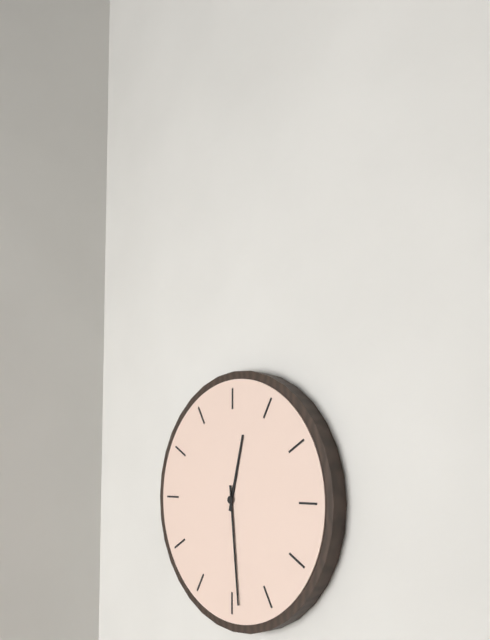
12:29
